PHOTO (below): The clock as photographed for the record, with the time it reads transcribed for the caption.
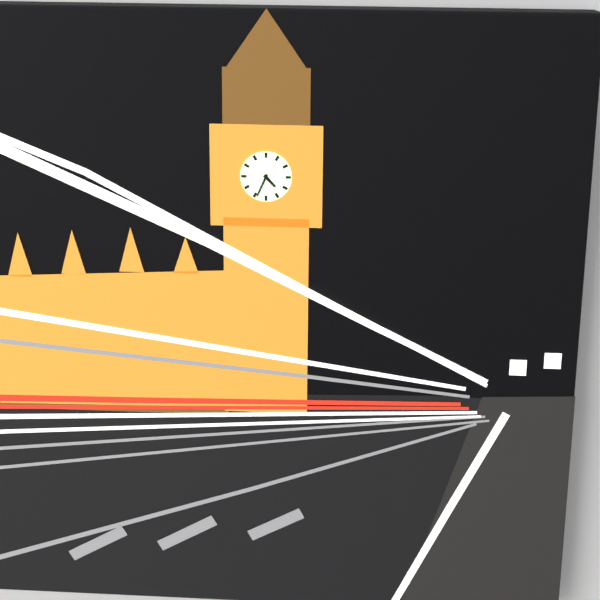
4:34
